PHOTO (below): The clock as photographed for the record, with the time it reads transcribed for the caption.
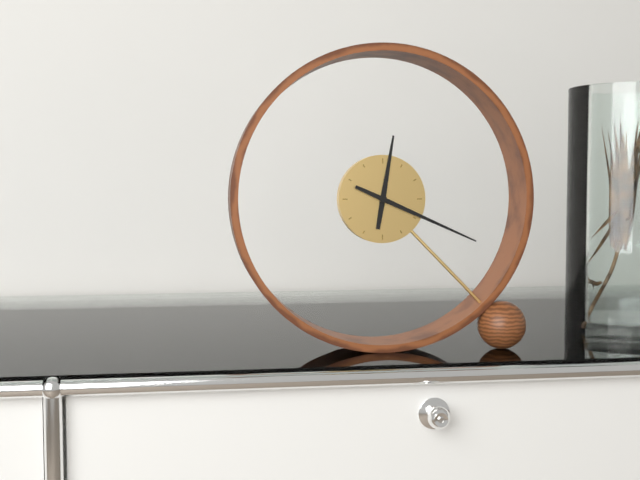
12:19
